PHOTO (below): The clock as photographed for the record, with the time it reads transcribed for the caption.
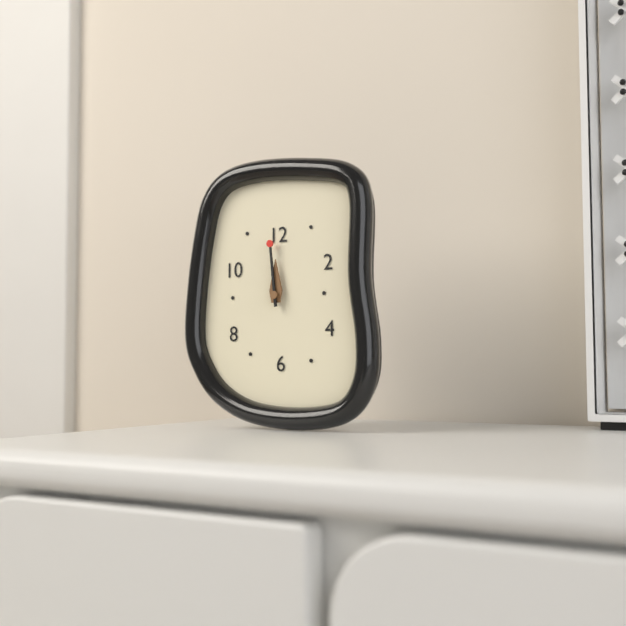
11:59
